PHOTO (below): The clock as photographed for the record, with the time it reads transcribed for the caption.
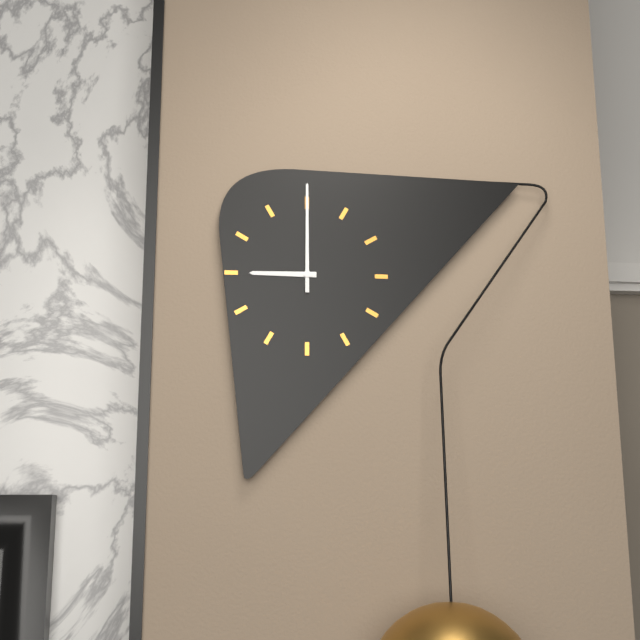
9:00
